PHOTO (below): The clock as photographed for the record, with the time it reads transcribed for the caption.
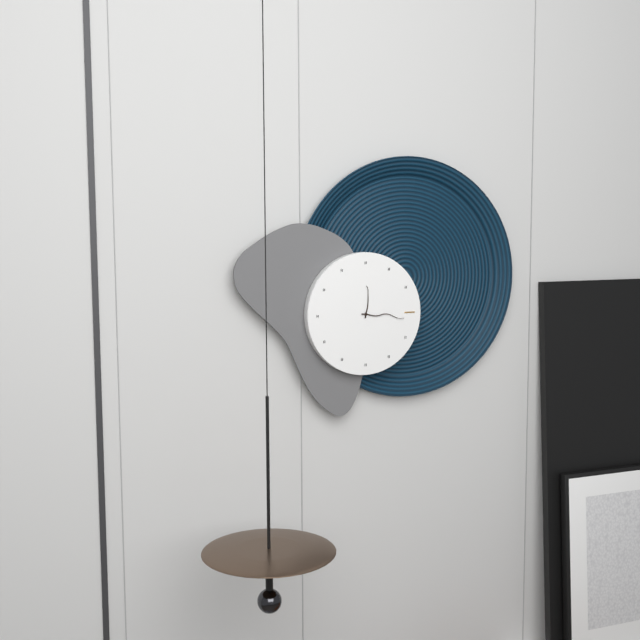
12:16
